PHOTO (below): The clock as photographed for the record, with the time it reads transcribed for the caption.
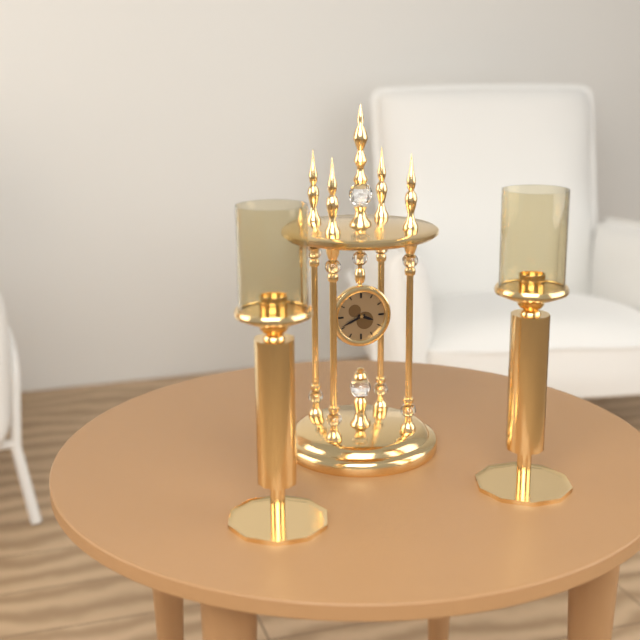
3:41
